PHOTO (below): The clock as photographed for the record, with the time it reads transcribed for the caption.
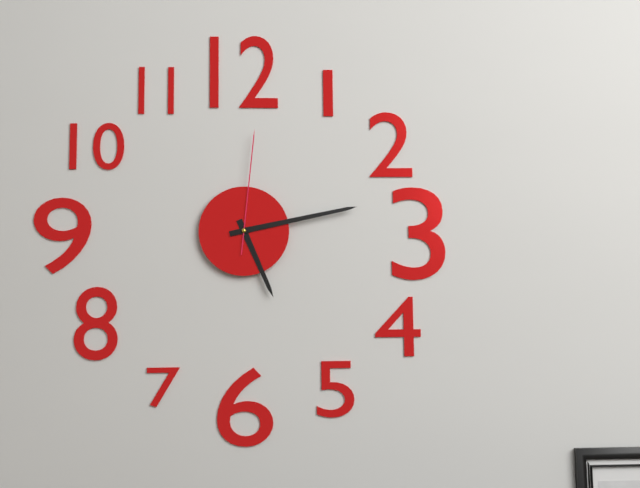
5:13:01
